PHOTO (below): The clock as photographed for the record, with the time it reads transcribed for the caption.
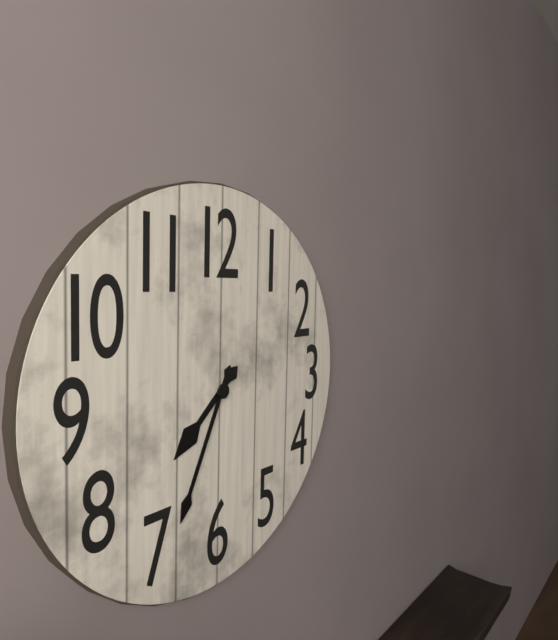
7:34
